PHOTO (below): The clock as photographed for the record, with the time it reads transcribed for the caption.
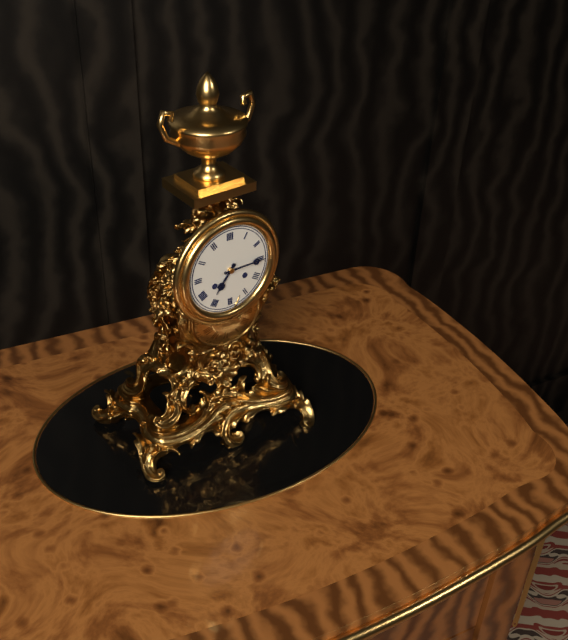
7:15
